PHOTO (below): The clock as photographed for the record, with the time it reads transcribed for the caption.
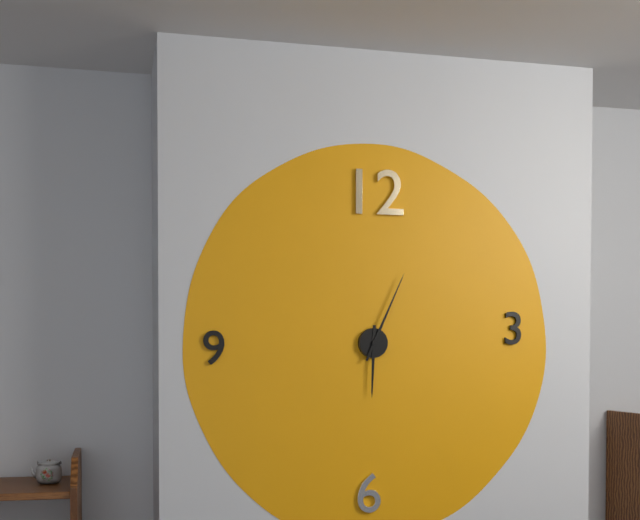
6:04
